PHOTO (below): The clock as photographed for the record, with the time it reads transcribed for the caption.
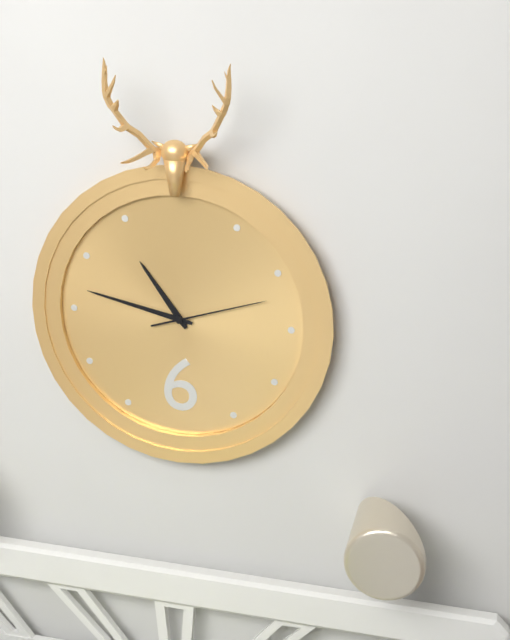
10:47:12
